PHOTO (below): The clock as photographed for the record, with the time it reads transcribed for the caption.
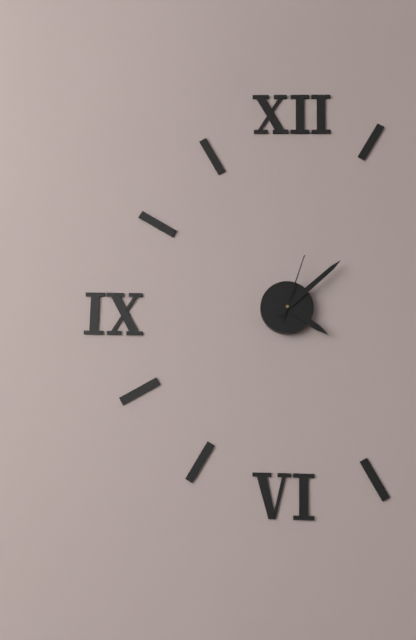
4:08:03
